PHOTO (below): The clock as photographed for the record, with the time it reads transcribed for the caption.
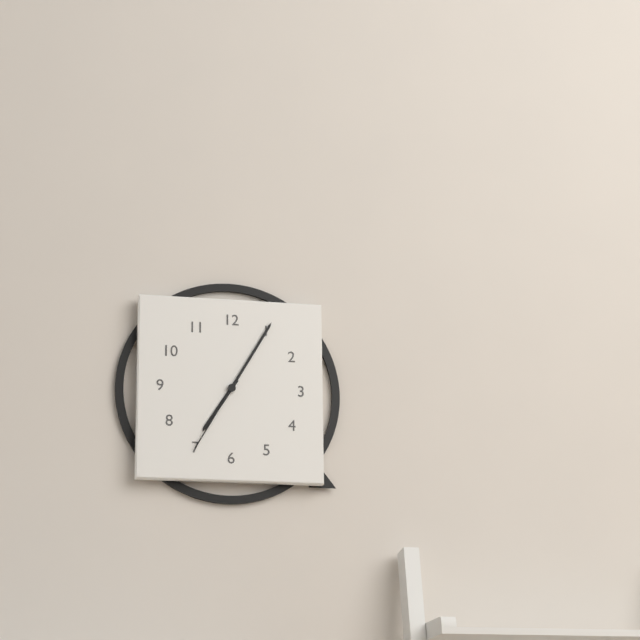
7:05:35
